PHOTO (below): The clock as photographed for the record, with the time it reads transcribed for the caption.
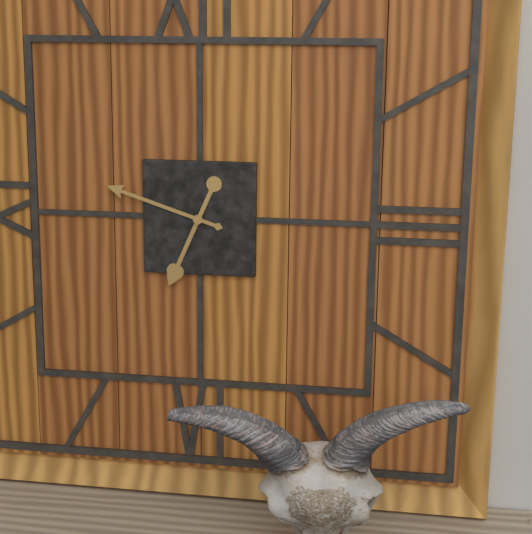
6:48
